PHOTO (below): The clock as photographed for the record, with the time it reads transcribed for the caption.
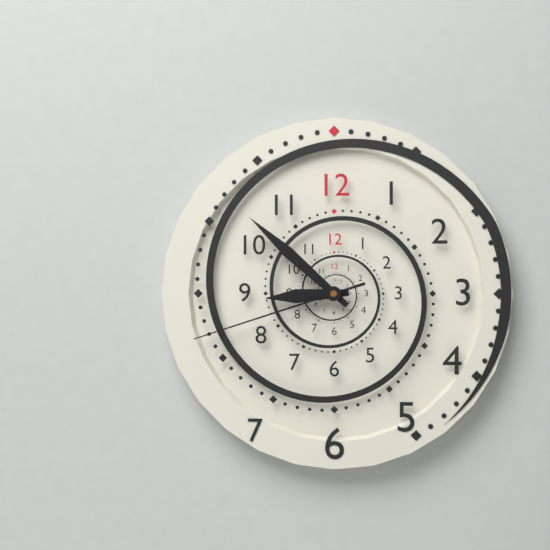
8:52:42
